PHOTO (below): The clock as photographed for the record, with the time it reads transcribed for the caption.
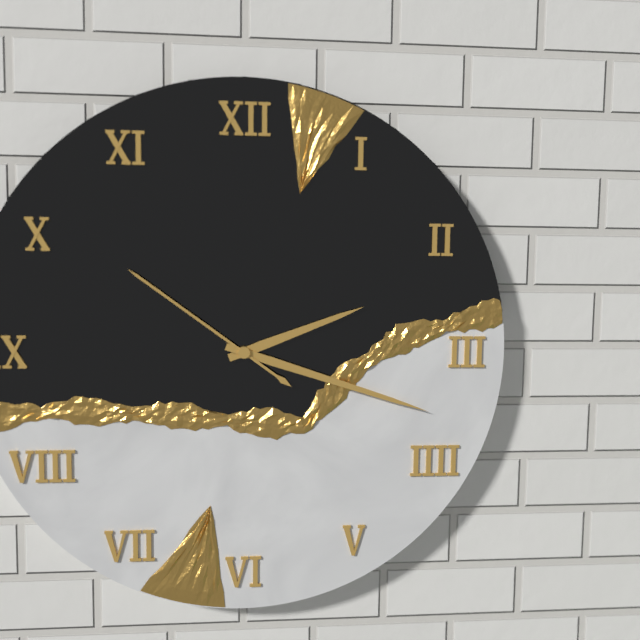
2:18:51
